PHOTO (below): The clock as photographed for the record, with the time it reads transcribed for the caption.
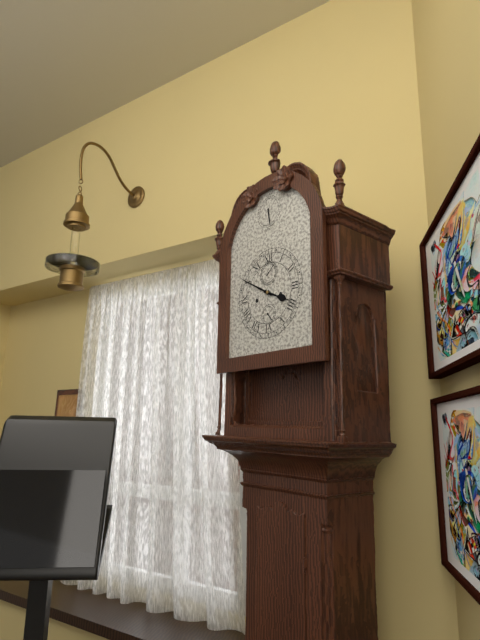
3:50
